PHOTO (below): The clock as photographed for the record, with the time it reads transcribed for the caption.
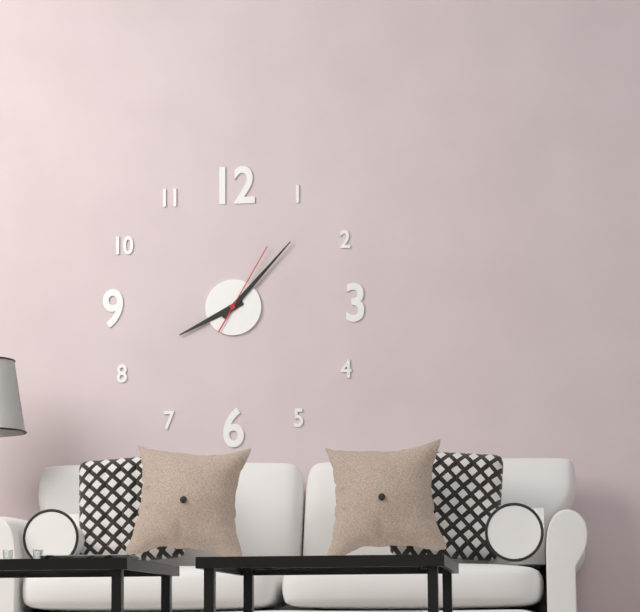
8:07:05
